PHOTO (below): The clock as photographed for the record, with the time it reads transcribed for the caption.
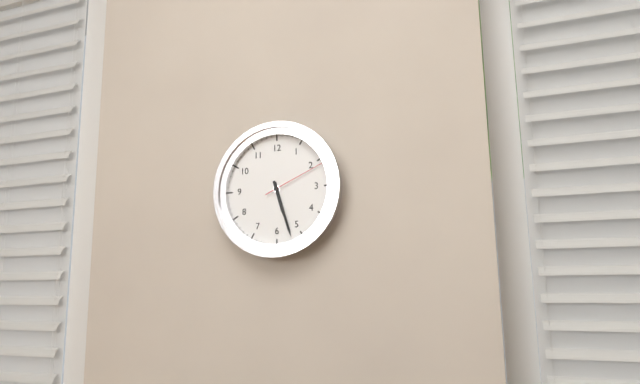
5:27:11
